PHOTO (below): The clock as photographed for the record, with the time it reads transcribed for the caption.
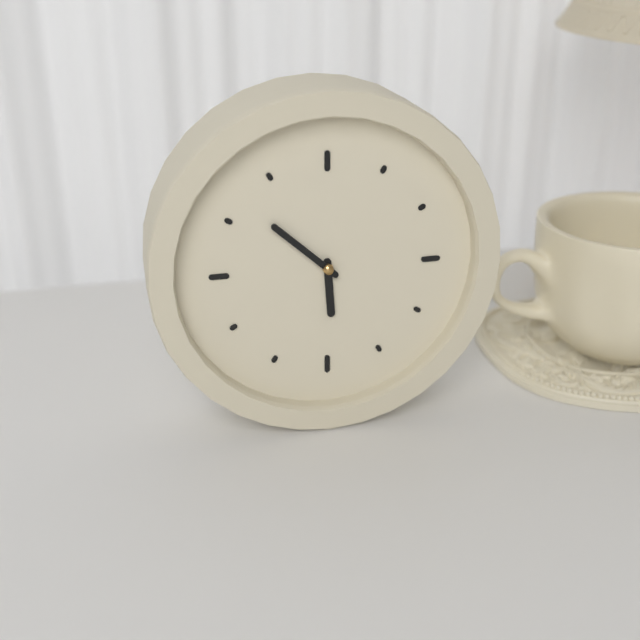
5:52
